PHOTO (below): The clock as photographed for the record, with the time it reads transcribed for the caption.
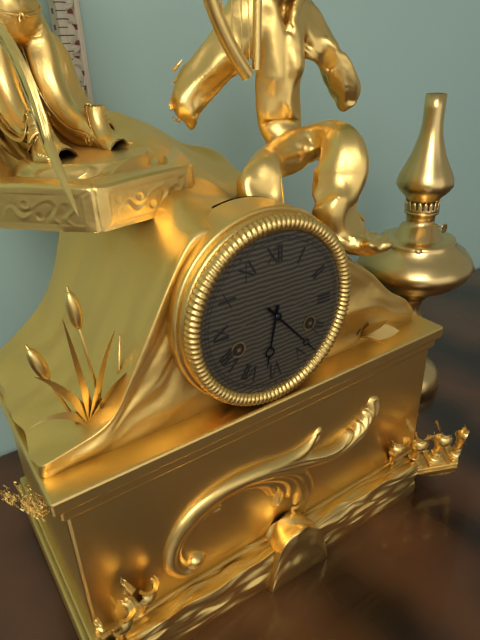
6:23
